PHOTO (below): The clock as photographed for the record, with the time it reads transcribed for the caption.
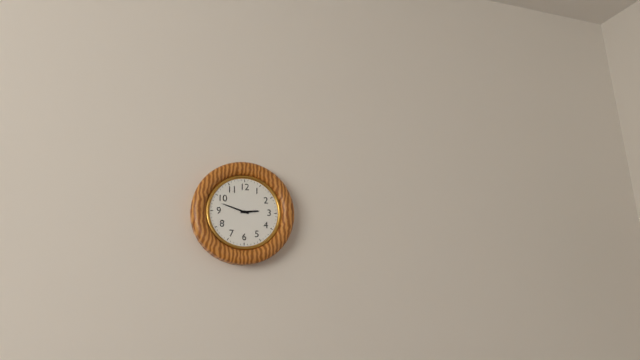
2:48
